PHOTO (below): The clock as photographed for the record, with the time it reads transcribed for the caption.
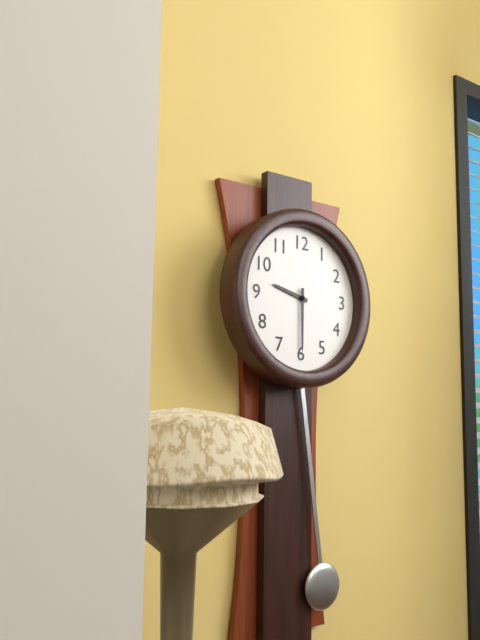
9:30
